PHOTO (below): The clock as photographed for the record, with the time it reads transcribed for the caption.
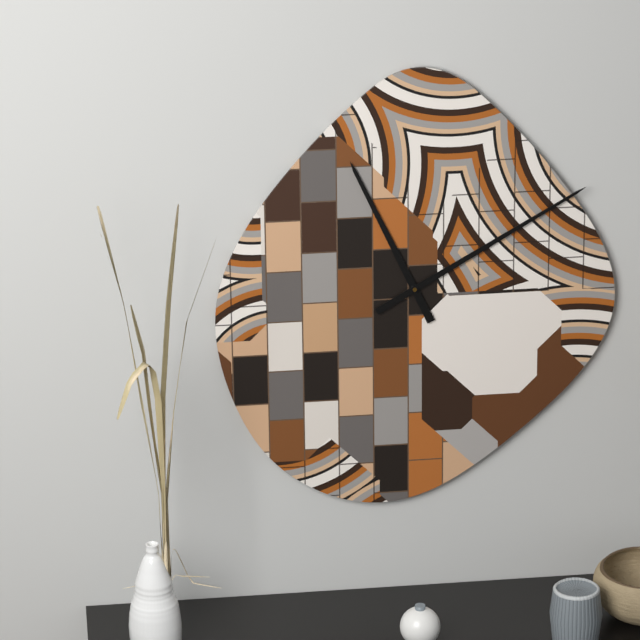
11:10
